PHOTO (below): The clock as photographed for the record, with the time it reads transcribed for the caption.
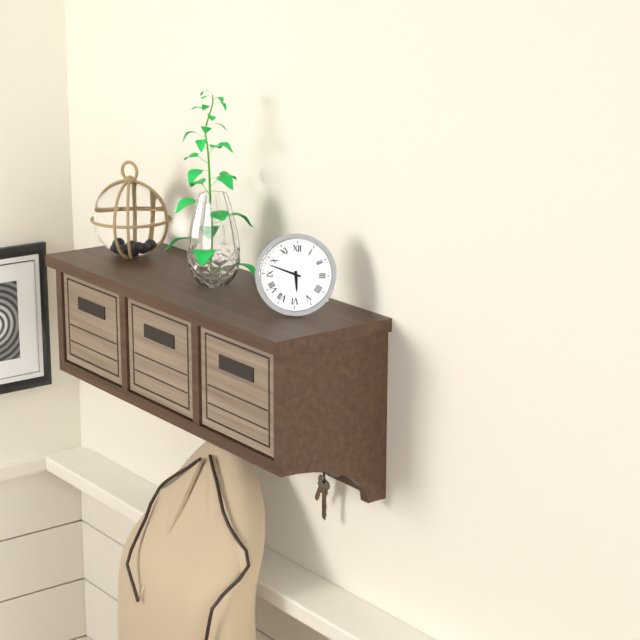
5:48
